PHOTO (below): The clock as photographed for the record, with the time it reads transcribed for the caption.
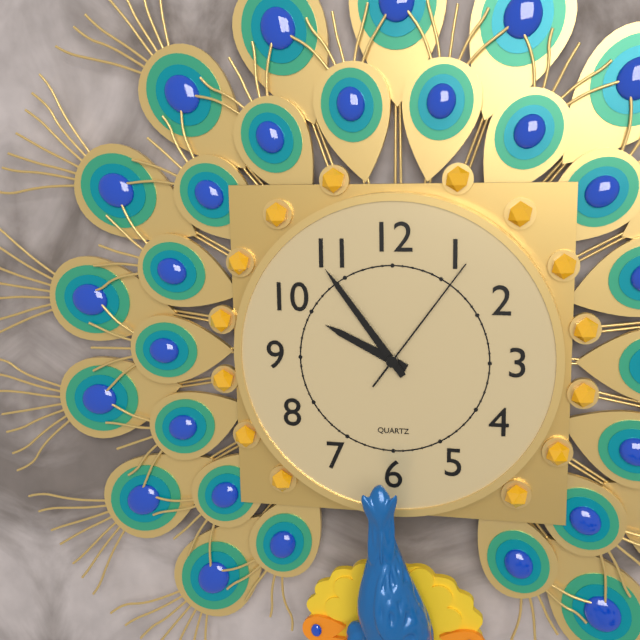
9:54:06
